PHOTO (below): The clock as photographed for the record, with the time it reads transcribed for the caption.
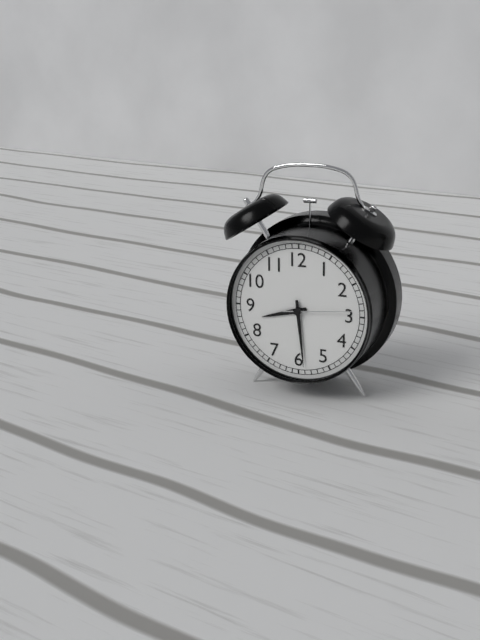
8:29:14
